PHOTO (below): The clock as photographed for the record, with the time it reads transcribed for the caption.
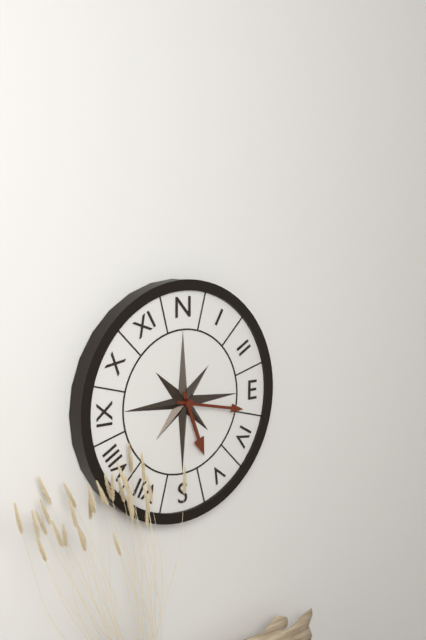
5:17
